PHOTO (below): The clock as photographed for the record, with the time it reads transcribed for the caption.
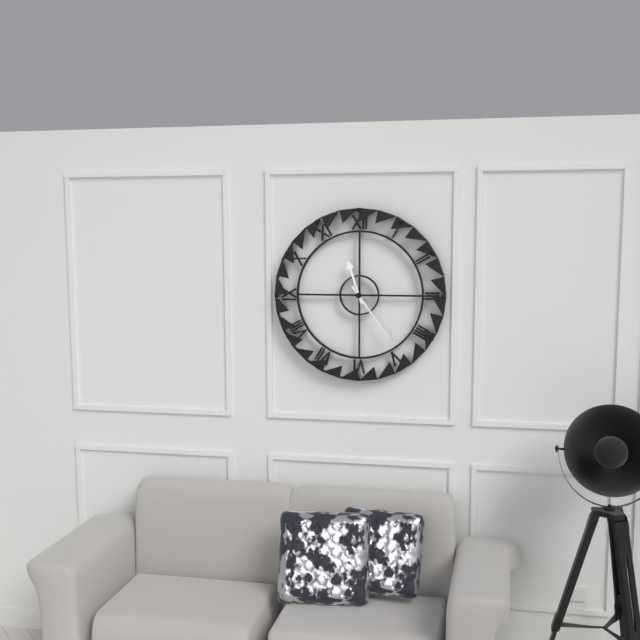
11:24
